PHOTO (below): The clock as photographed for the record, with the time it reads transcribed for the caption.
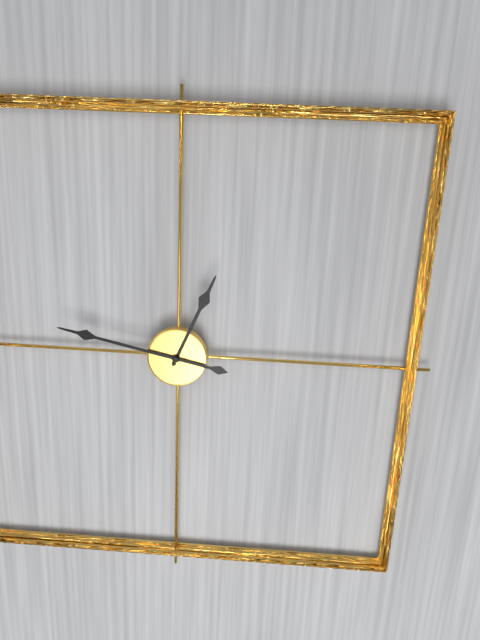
12:47
